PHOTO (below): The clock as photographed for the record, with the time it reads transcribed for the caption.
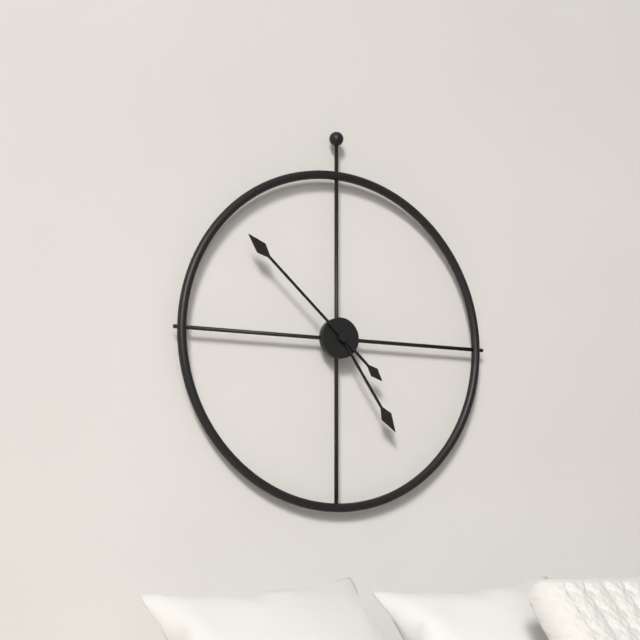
4:52
